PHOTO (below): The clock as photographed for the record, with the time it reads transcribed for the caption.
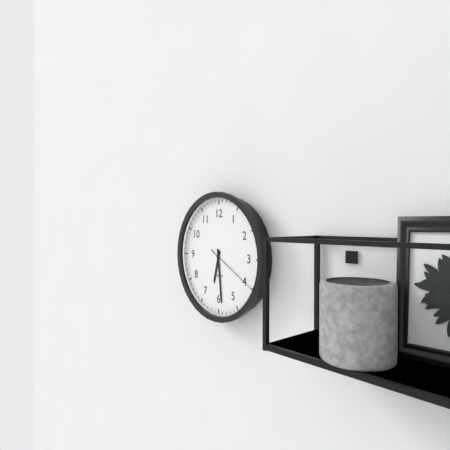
6:29:20
